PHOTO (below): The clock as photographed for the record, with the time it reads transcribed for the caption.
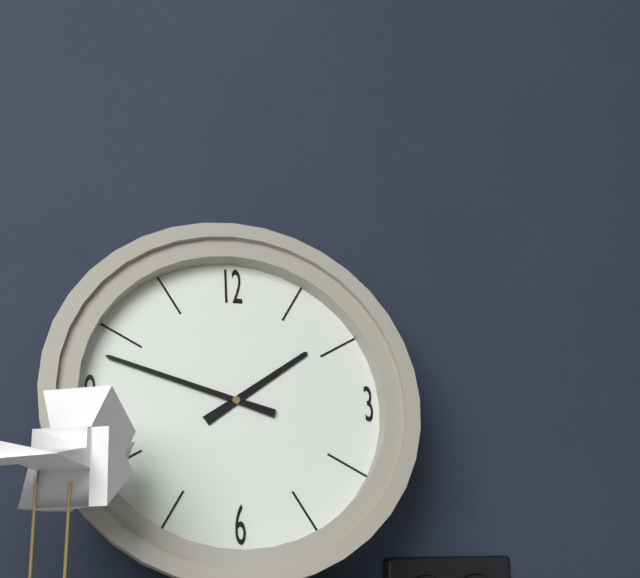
1:48
